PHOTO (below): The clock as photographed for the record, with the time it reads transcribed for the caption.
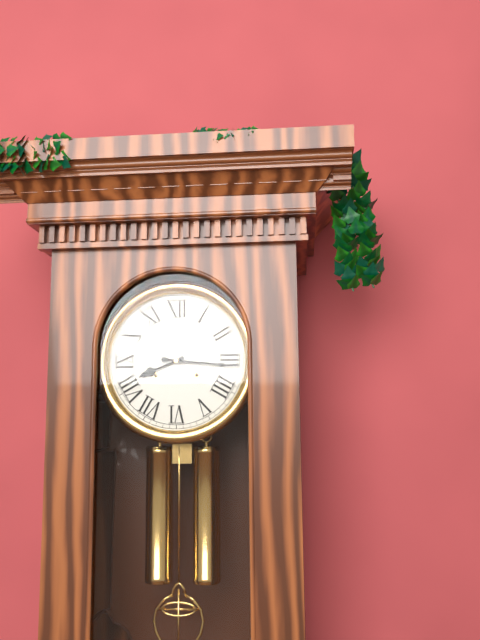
8:16
